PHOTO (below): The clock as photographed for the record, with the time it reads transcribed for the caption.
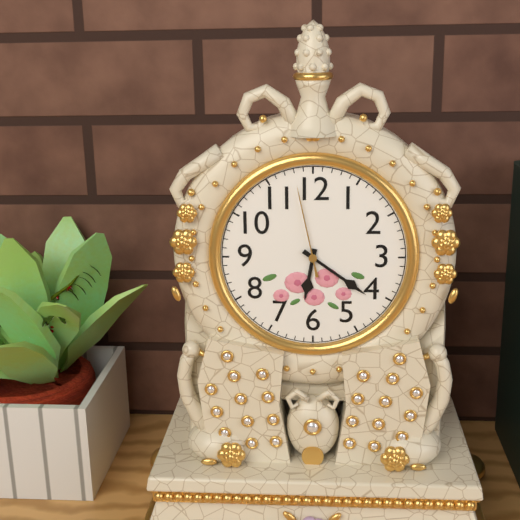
6:21:58
